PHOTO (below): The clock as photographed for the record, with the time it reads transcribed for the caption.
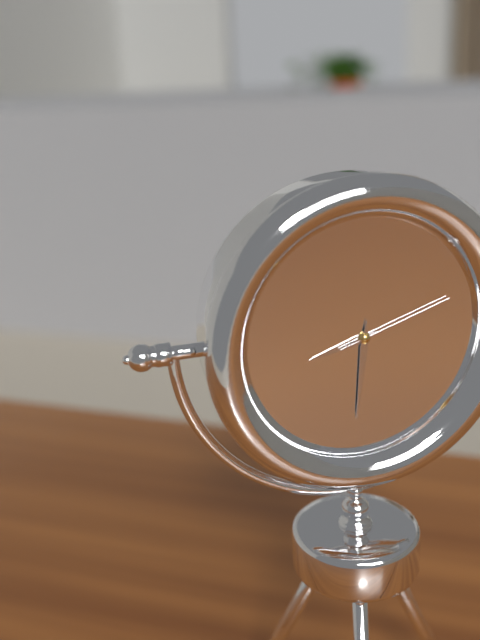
8:31:12
